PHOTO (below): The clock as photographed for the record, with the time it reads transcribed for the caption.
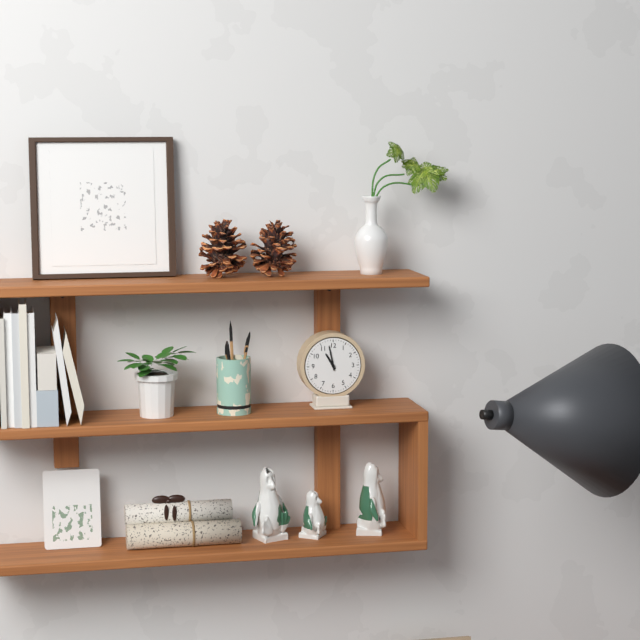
10:58
